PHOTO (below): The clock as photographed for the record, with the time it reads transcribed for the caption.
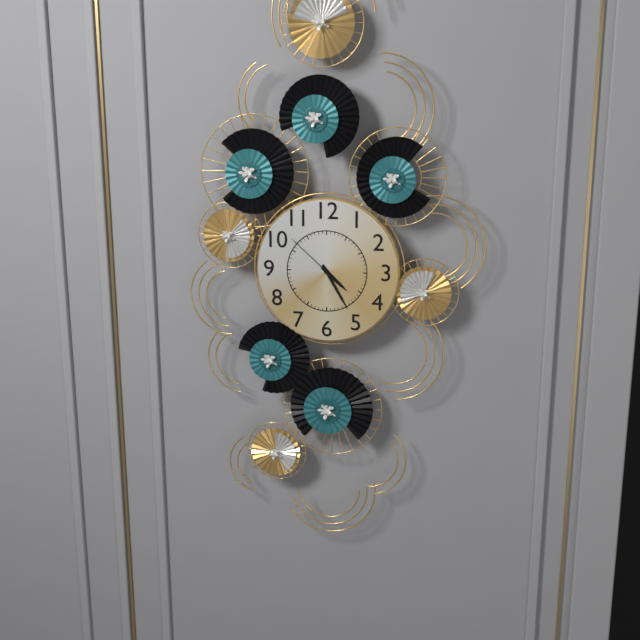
4:25:52
